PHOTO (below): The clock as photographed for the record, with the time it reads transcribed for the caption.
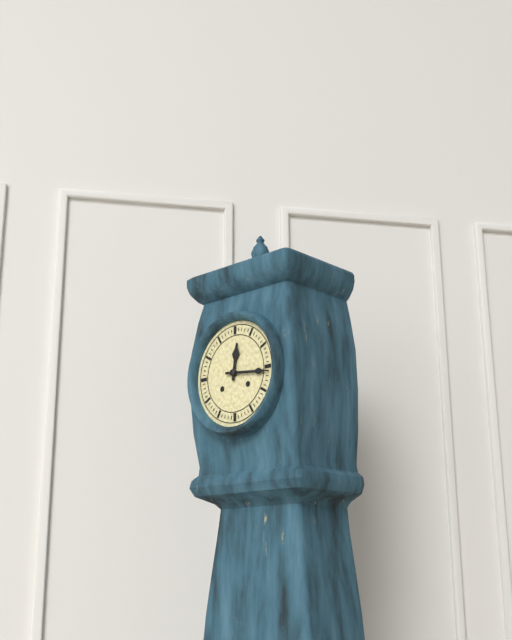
12:16
